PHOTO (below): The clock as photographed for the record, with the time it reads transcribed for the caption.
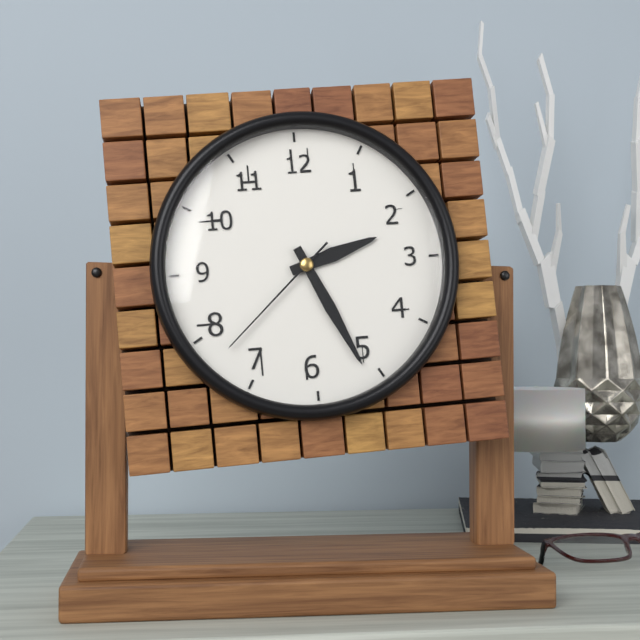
2:26:38
